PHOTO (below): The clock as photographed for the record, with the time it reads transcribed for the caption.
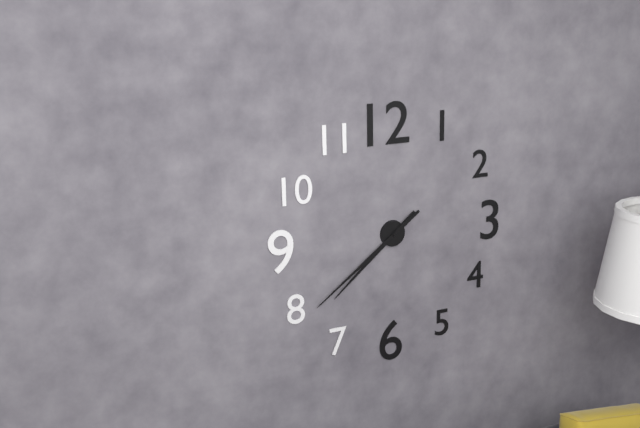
7:39
